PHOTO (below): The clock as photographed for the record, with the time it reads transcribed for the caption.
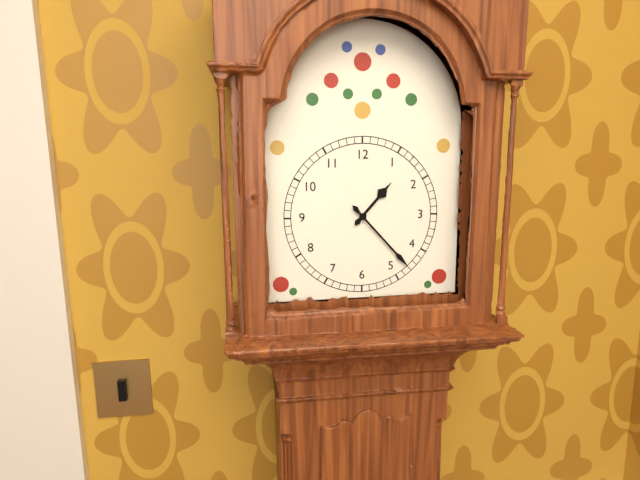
1:23
